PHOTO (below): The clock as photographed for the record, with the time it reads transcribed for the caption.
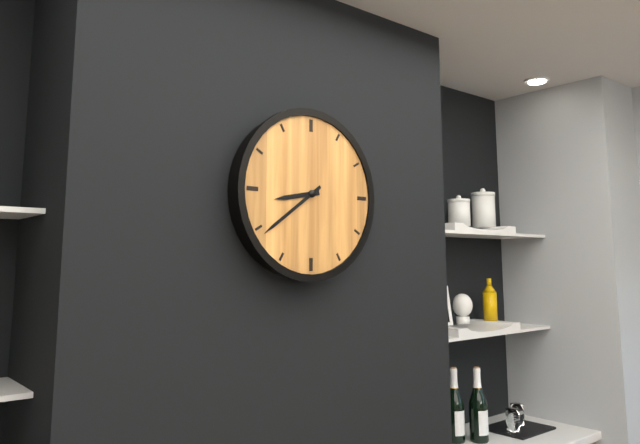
8:39
